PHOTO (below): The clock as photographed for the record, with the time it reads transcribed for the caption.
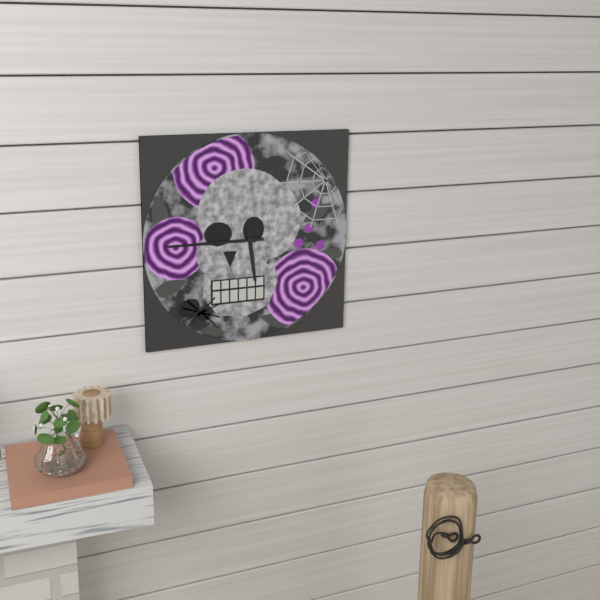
5:45
